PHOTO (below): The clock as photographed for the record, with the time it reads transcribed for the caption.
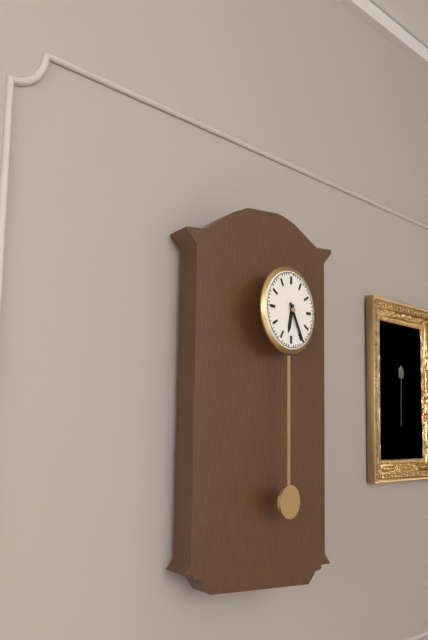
6:25
